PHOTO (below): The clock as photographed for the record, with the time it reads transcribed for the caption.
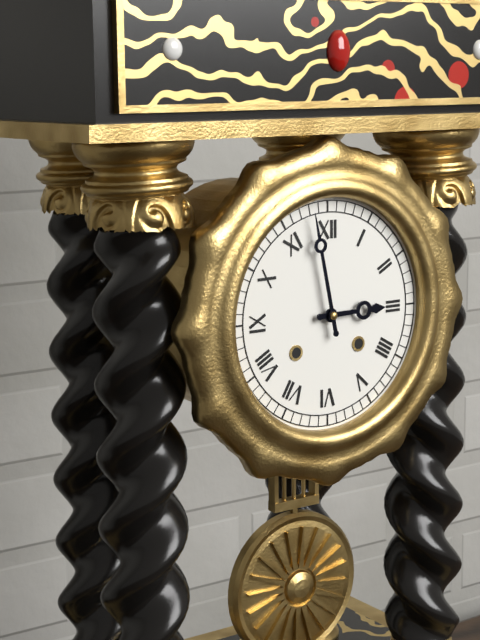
2:58
